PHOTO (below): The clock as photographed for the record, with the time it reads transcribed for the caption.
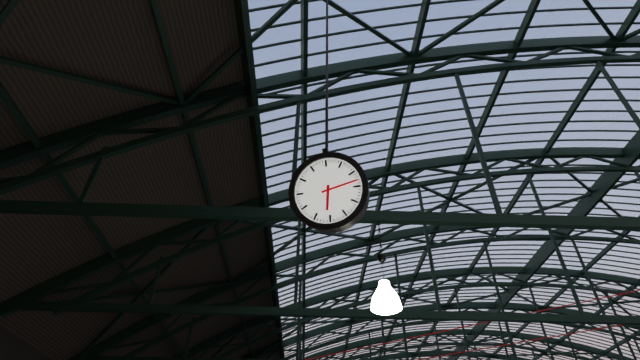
6:13
